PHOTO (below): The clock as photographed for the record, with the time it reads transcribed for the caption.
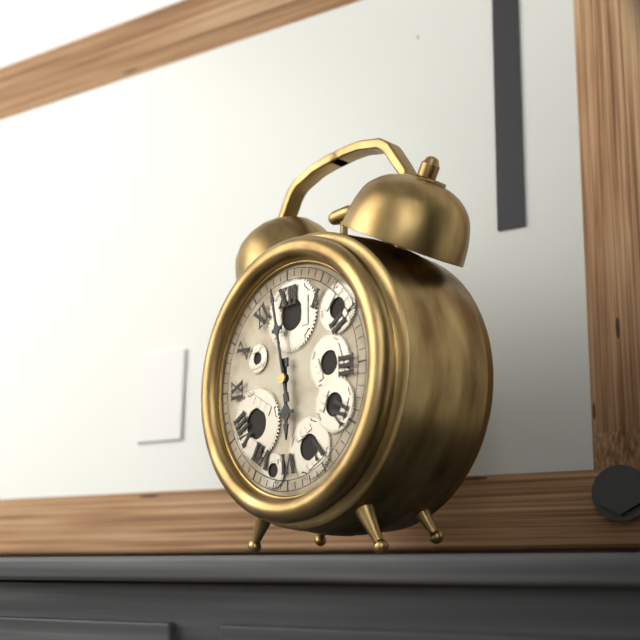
5:58
